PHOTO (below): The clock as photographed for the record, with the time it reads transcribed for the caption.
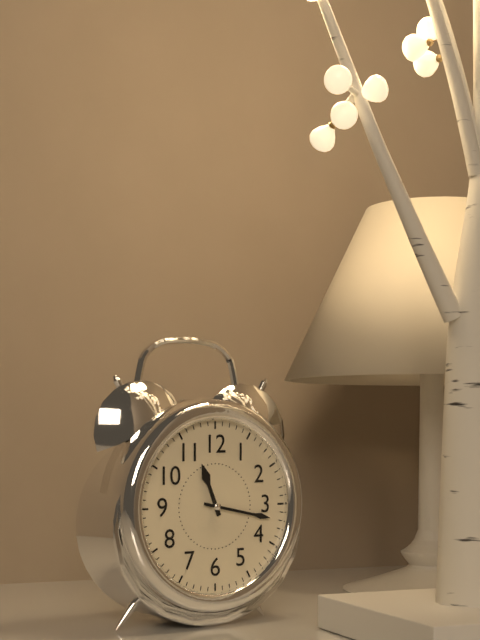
11:17
